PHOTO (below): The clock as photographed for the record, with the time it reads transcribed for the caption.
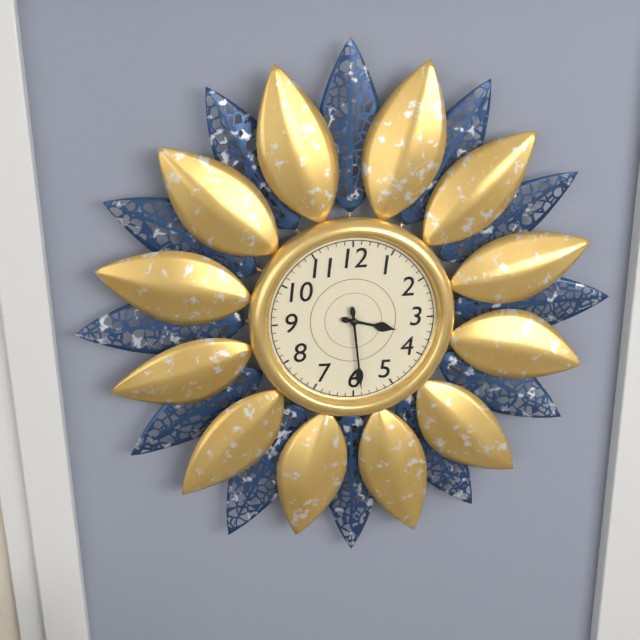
3:29
